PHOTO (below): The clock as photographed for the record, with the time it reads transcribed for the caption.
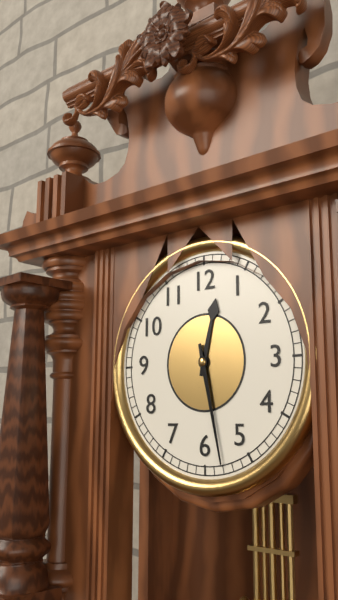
12:28
